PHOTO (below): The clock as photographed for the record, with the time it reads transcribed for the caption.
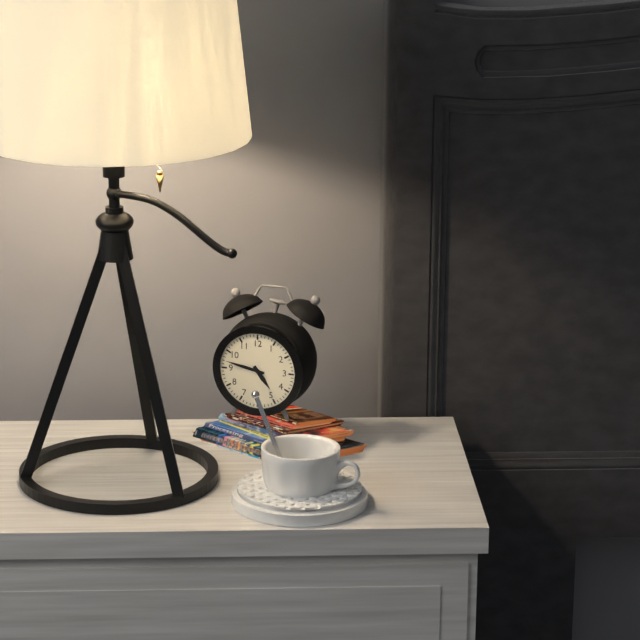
4:47
